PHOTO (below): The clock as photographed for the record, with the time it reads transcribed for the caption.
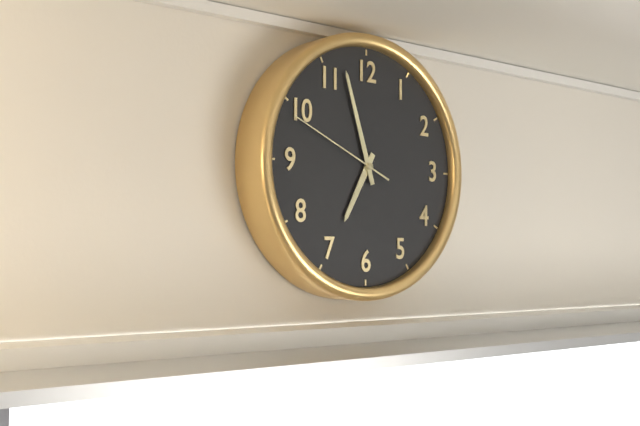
6:57:49
